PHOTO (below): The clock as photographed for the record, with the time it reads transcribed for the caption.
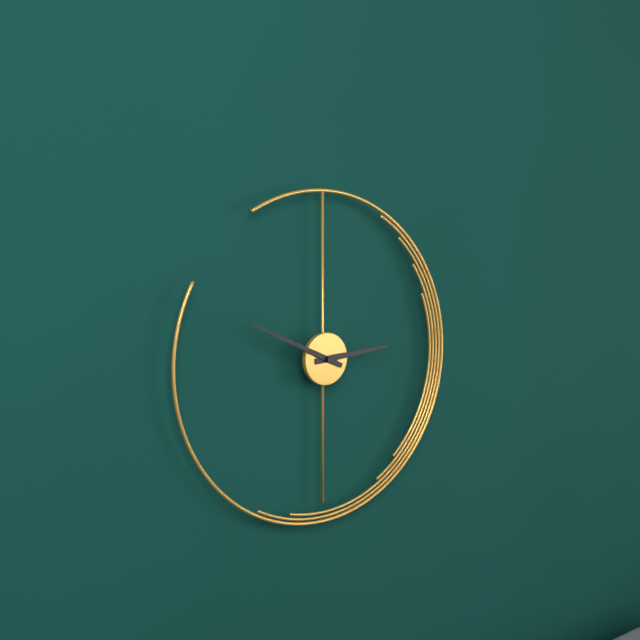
2:49
